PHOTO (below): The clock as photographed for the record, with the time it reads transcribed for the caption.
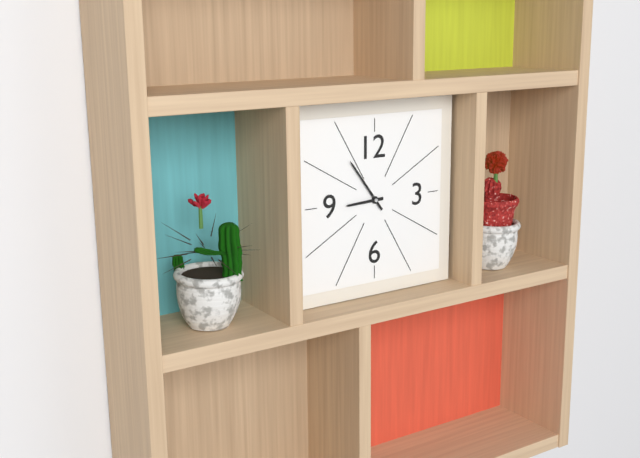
8:54
